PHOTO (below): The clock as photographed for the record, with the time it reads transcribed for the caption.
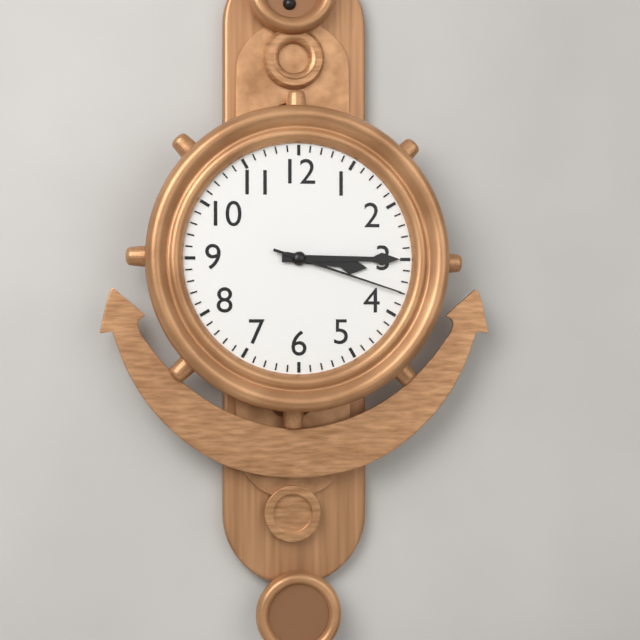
3:15:18
